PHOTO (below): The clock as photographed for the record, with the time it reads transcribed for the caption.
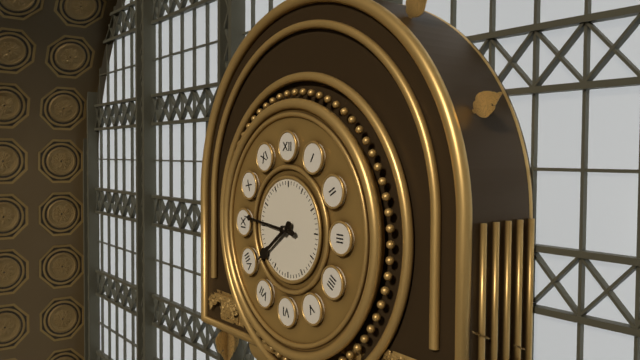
7:46
